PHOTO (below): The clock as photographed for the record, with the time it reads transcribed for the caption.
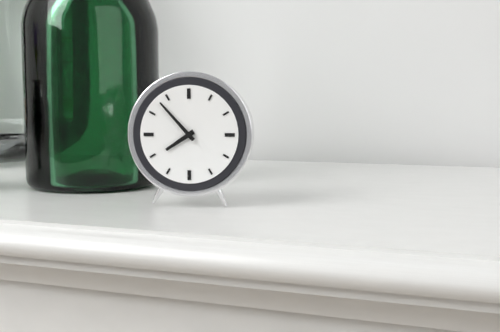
7:53
